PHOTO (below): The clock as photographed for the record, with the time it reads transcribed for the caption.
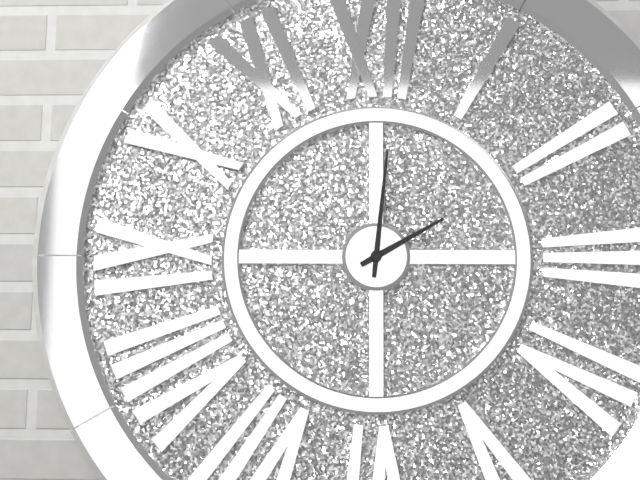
2:01
